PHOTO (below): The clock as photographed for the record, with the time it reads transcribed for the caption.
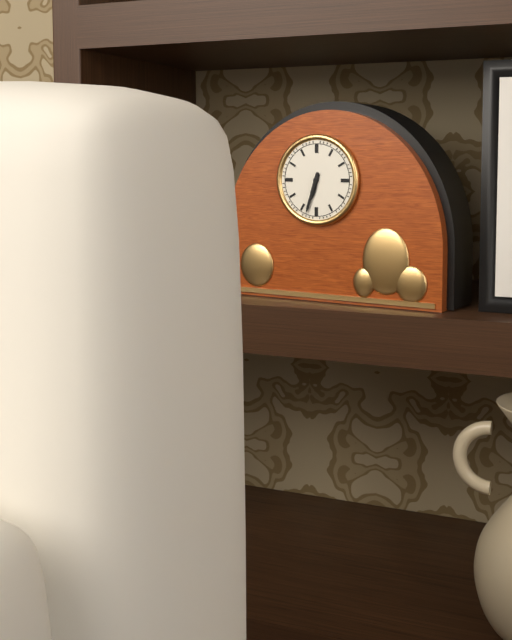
6:33
